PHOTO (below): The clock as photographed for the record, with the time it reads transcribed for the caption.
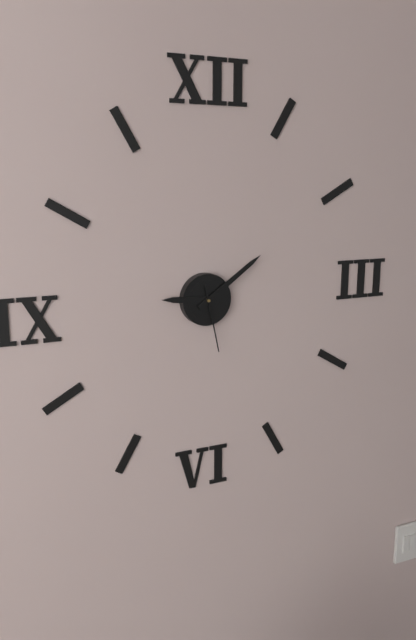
9:09:28
